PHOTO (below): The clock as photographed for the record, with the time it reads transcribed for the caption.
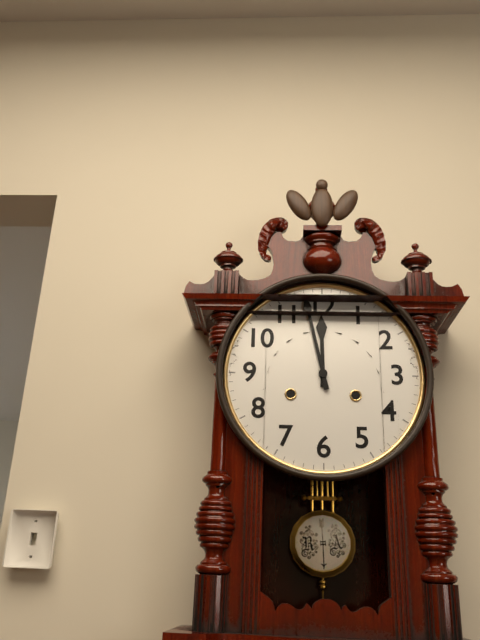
11:58
